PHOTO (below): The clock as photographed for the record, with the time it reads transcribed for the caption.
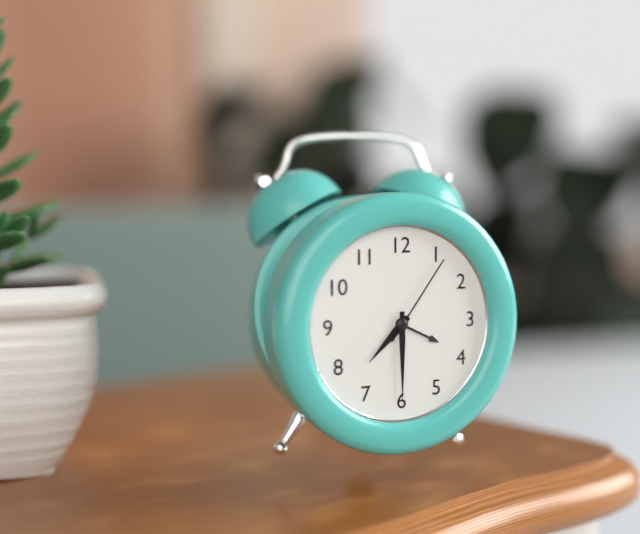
7:30:06
